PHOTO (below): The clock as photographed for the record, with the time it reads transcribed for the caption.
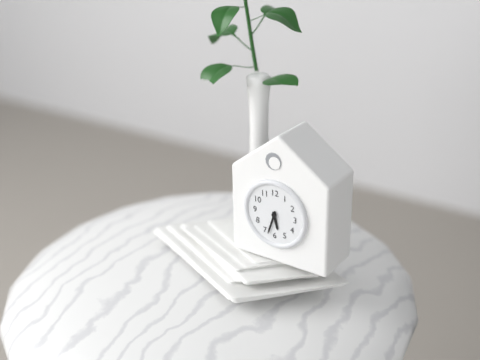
5:33
